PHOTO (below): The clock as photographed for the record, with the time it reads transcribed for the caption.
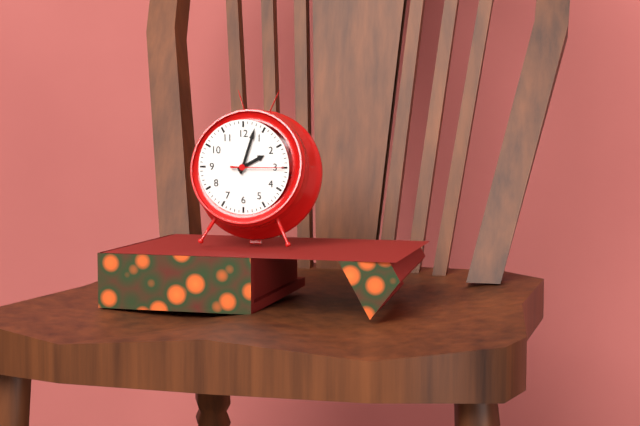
2:03:15
